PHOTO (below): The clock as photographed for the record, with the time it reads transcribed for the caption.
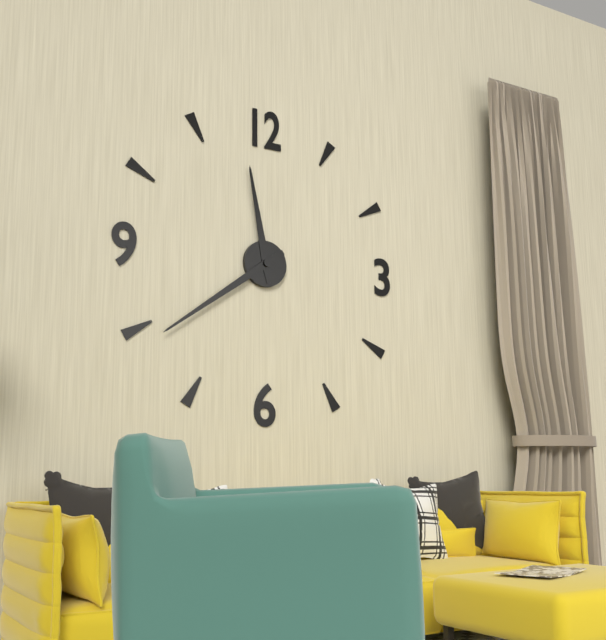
11:39
